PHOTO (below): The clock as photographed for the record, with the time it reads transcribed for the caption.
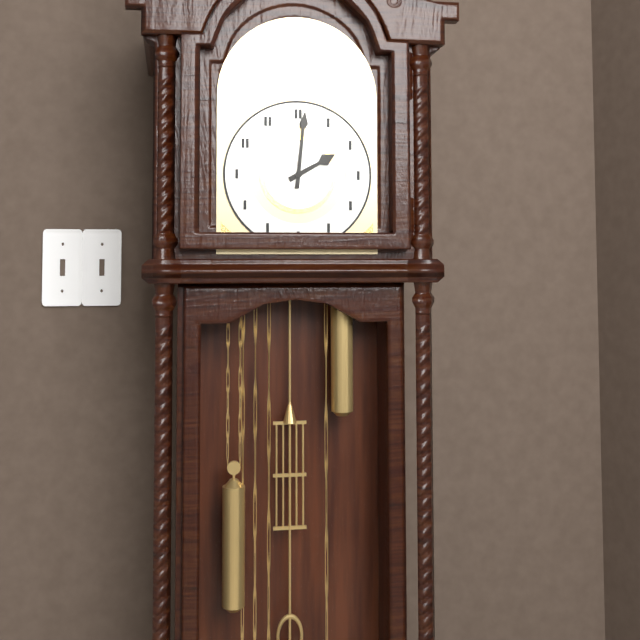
2:01
